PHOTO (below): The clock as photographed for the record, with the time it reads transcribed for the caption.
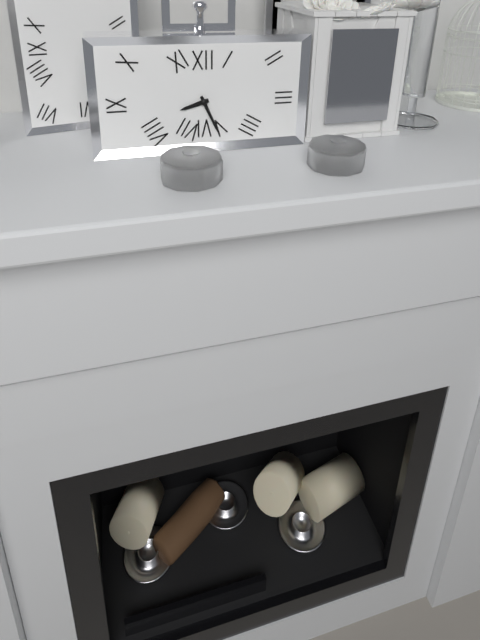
8:26
